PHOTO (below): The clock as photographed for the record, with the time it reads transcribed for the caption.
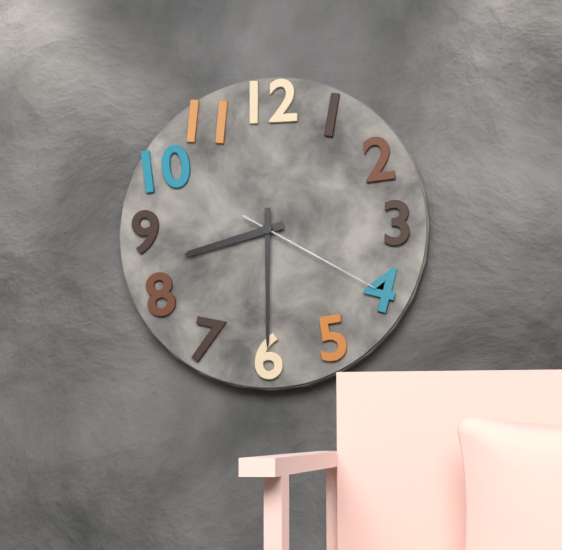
8:30:20
